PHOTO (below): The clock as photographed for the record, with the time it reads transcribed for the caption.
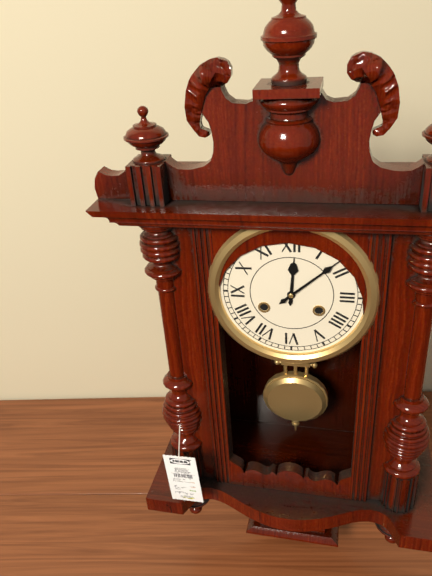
12:08
